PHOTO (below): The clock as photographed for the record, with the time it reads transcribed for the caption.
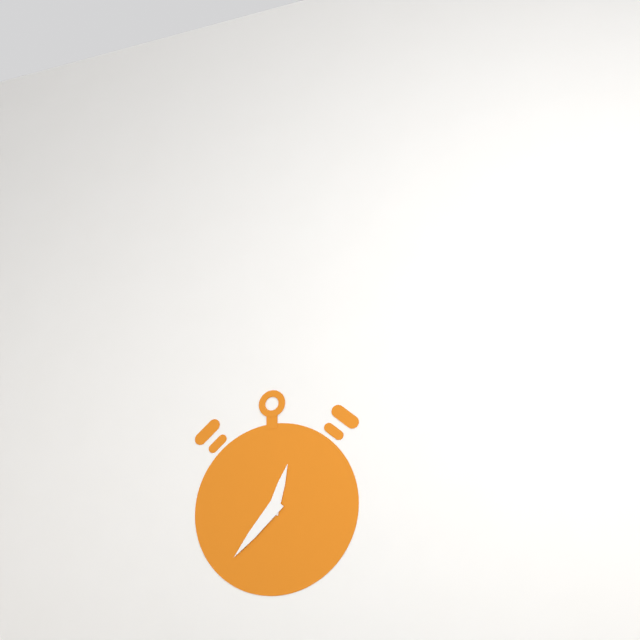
12:37
